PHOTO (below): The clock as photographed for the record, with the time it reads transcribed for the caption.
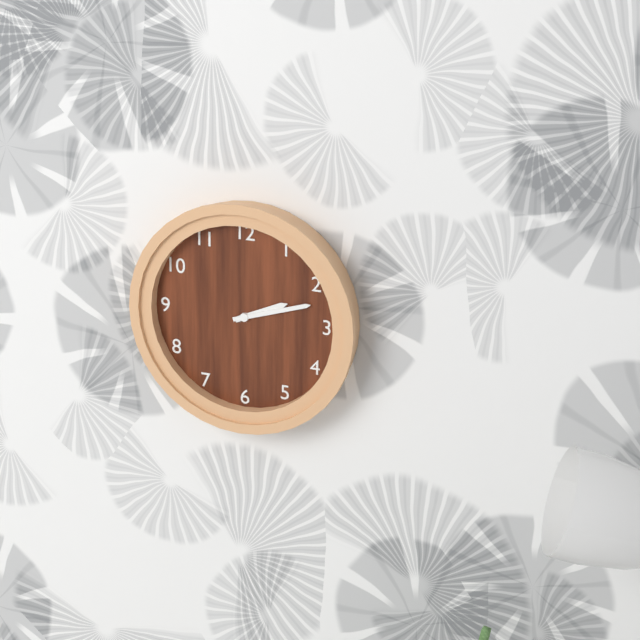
2:12
